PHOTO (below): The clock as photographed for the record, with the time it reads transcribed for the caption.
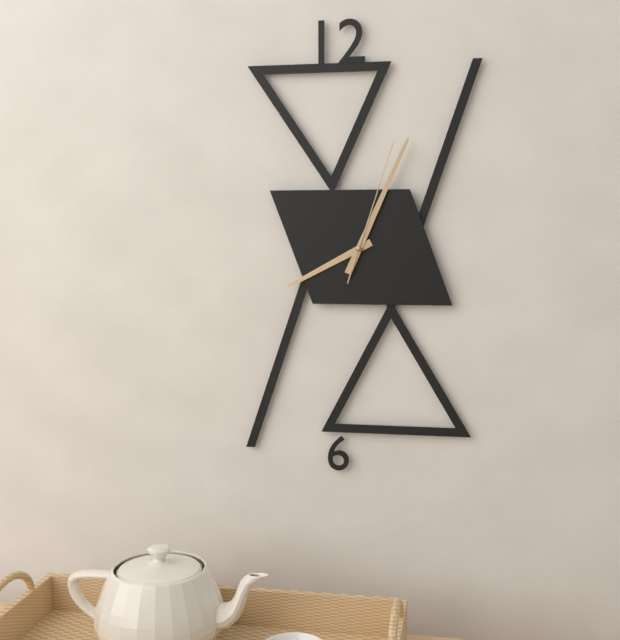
8:04:03
